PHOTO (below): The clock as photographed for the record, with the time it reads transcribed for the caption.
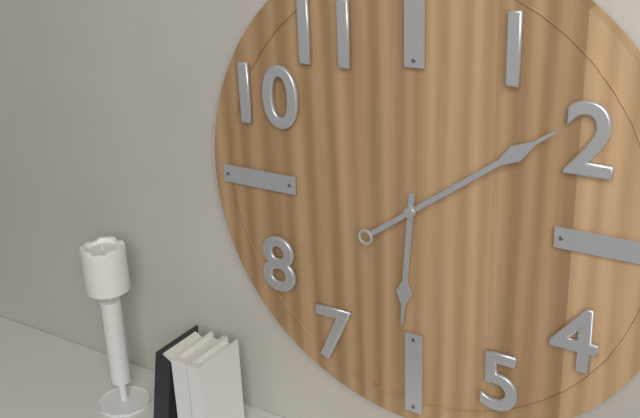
6:09
